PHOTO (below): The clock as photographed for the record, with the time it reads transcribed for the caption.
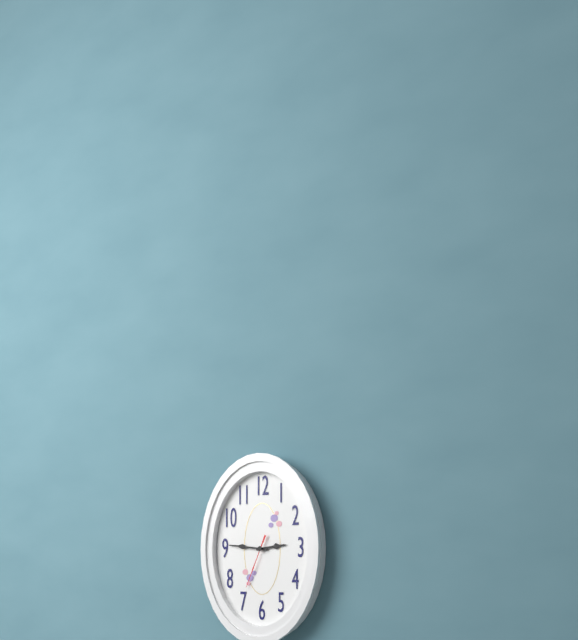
2:46:34
